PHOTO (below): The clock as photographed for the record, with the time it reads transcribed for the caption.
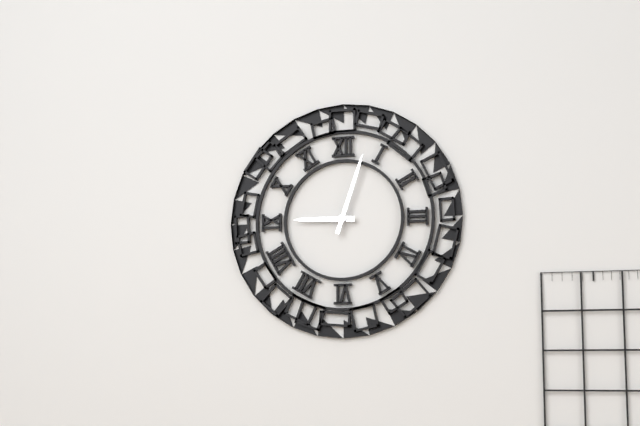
9:03
